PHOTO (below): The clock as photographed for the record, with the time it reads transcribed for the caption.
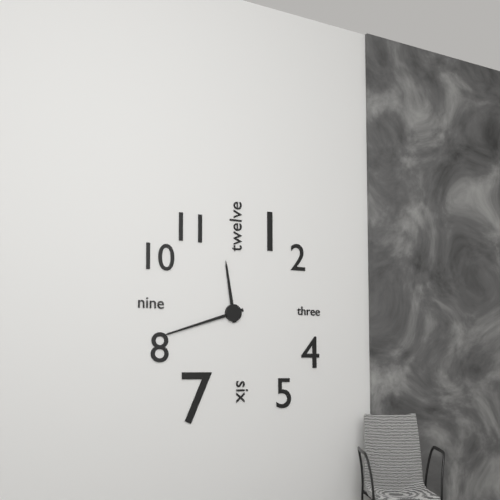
11:42
